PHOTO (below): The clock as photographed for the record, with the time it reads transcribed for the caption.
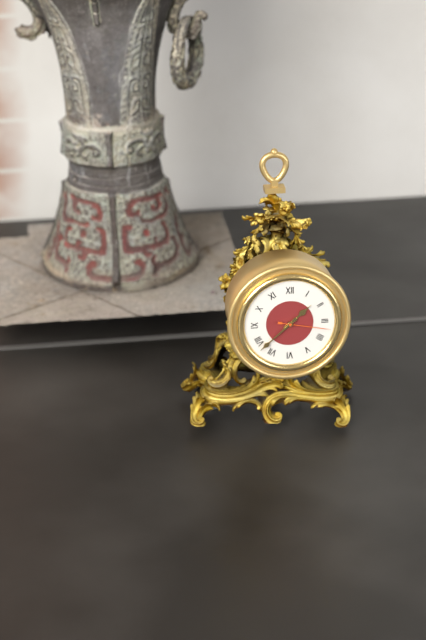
1:38:17
